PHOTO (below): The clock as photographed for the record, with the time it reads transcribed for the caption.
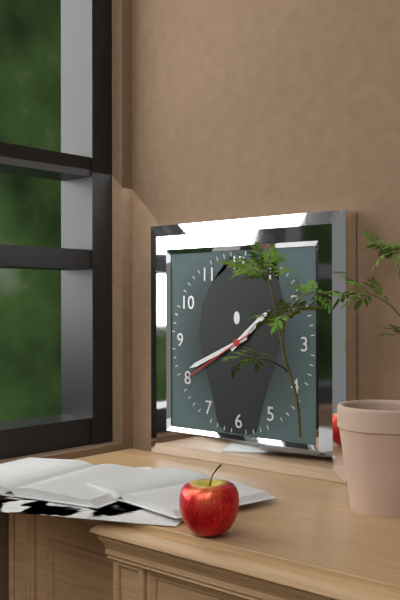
1:41:40
